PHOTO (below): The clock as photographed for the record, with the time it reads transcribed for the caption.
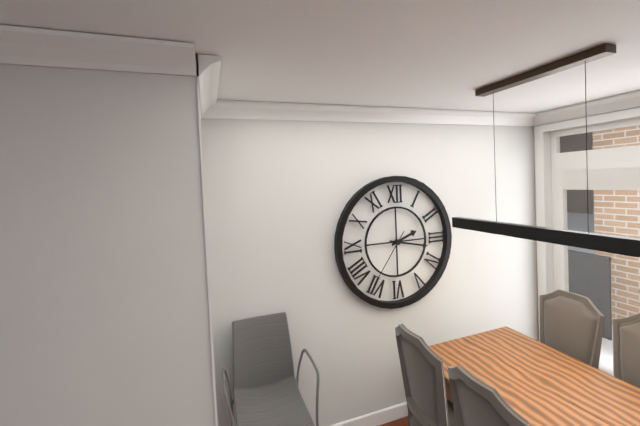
2:17:36
